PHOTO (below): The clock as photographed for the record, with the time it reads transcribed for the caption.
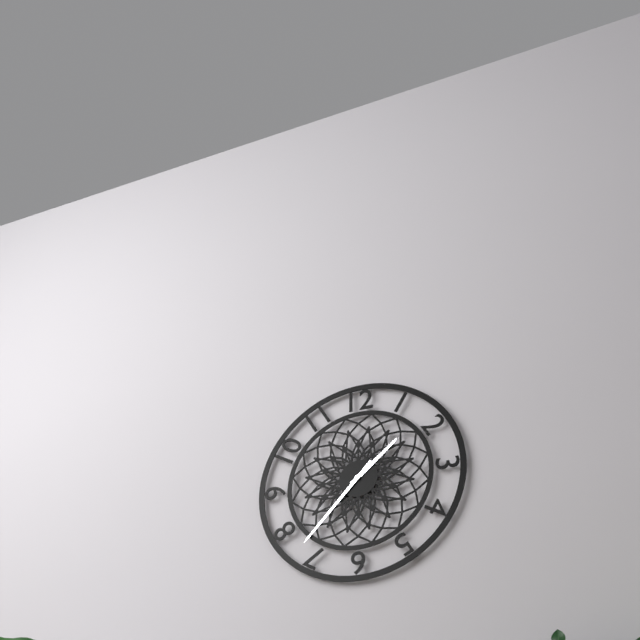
1:37
